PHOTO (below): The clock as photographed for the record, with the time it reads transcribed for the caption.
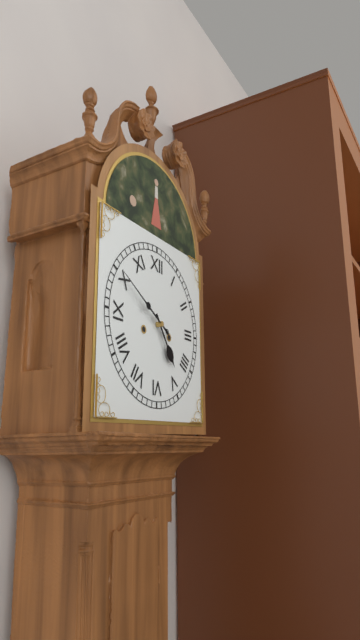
4:50
